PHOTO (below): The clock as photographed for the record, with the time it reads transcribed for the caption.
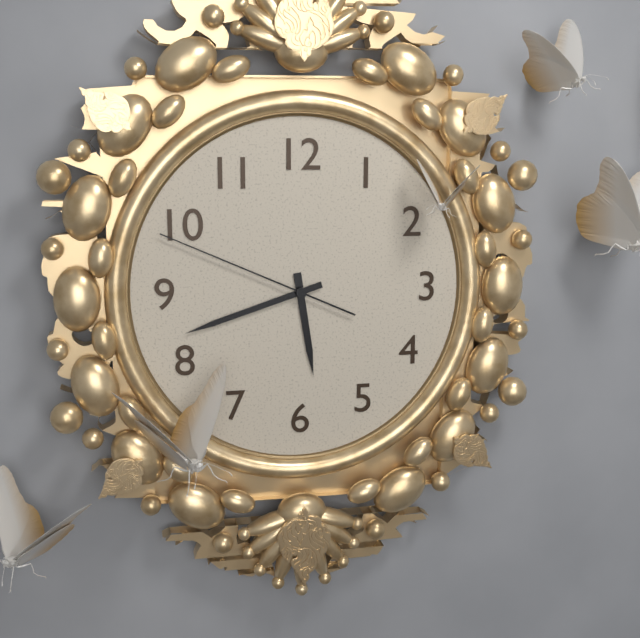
5:42:49
